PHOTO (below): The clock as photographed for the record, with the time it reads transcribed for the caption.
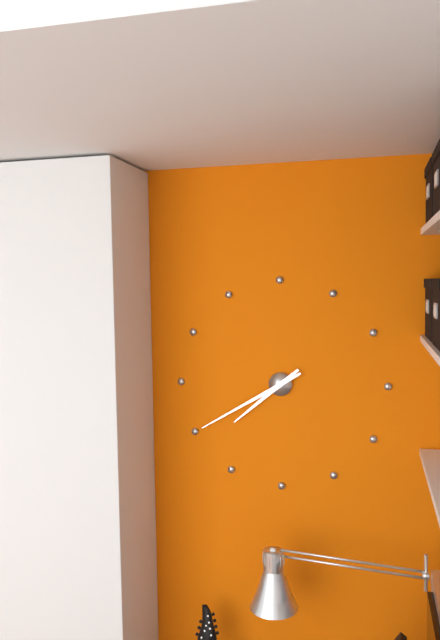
7:40
